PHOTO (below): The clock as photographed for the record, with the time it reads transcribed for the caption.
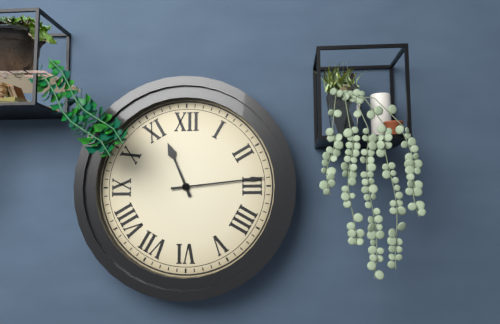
11:14
